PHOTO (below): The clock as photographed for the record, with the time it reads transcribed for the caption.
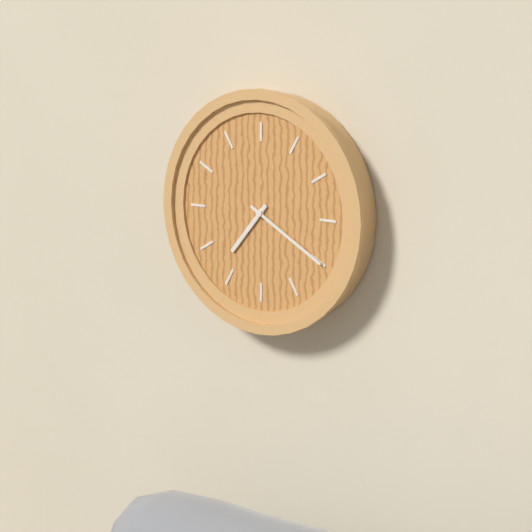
7:20
